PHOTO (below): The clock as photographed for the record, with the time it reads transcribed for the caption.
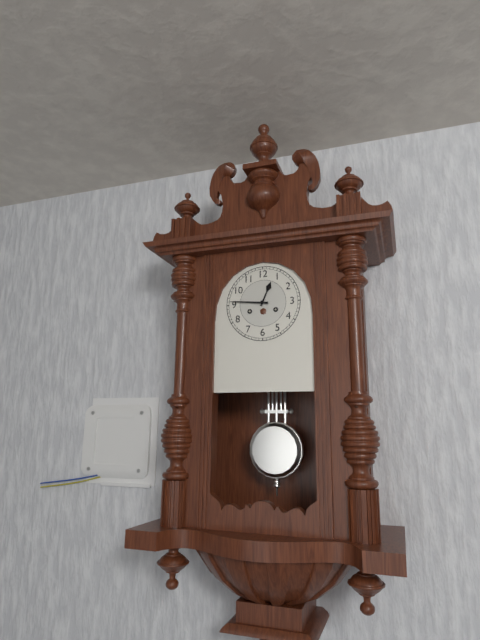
12:46
